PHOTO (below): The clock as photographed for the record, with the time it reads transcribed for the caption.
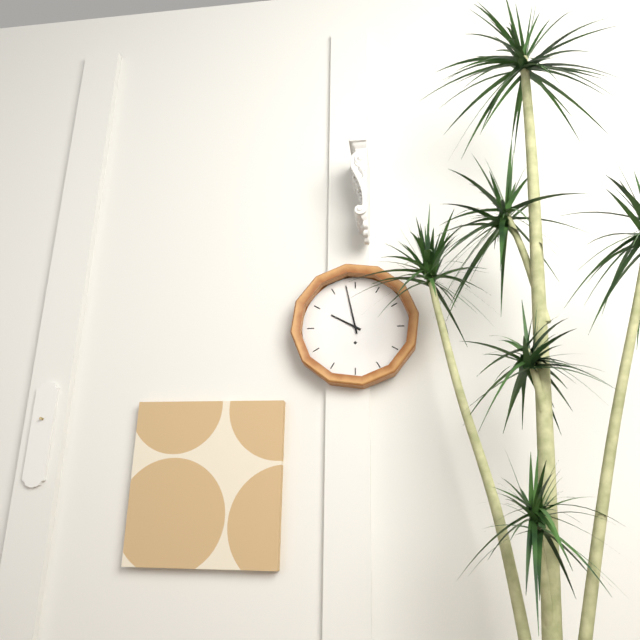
9:58
